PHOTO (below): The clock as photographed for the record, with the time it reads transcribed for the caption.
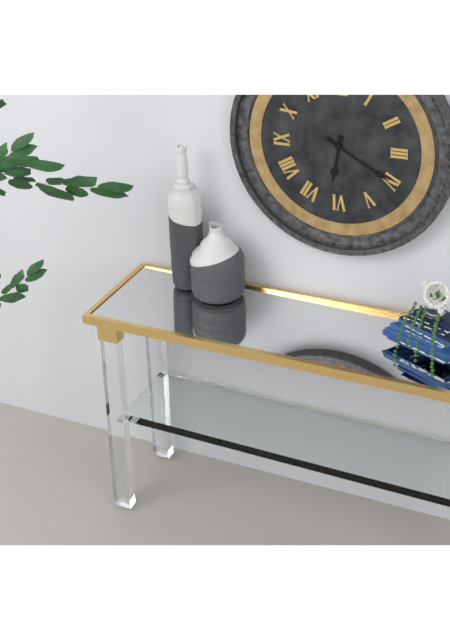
6:20
